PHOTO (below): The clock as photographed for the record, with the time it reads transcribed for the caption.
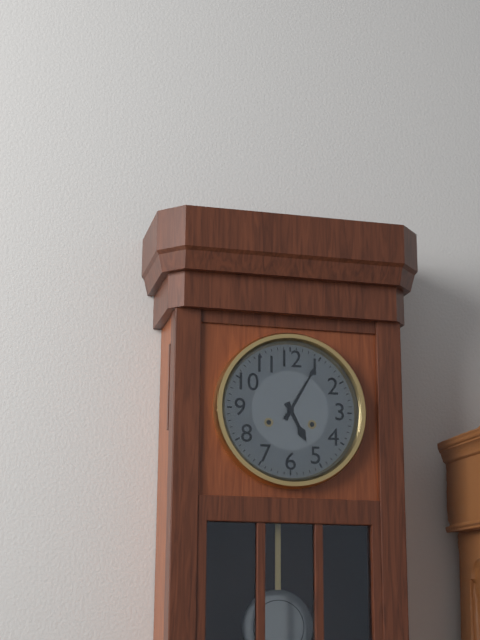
5:05
